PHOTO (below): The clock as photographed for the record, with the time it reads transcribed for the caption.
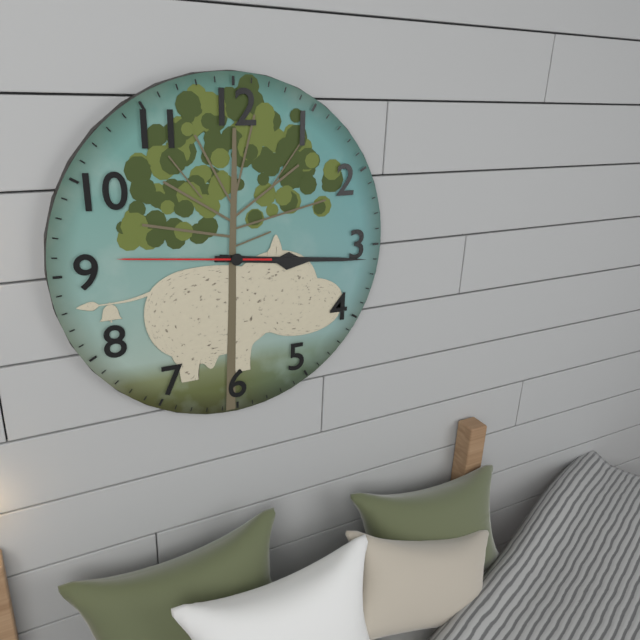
3:16:46
